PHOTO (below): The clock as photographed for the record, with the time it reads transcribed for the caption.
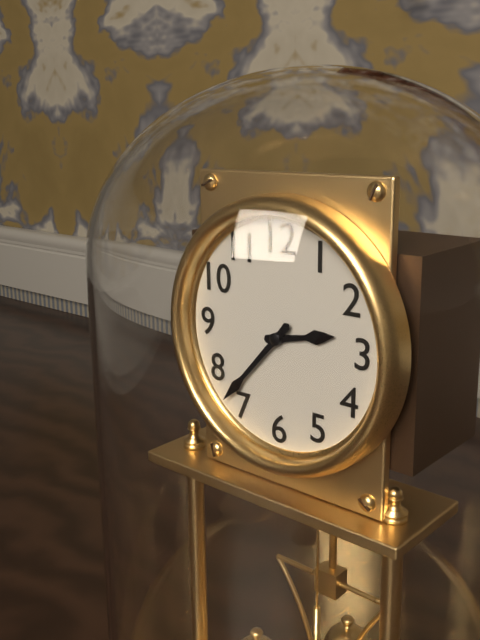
2:37
